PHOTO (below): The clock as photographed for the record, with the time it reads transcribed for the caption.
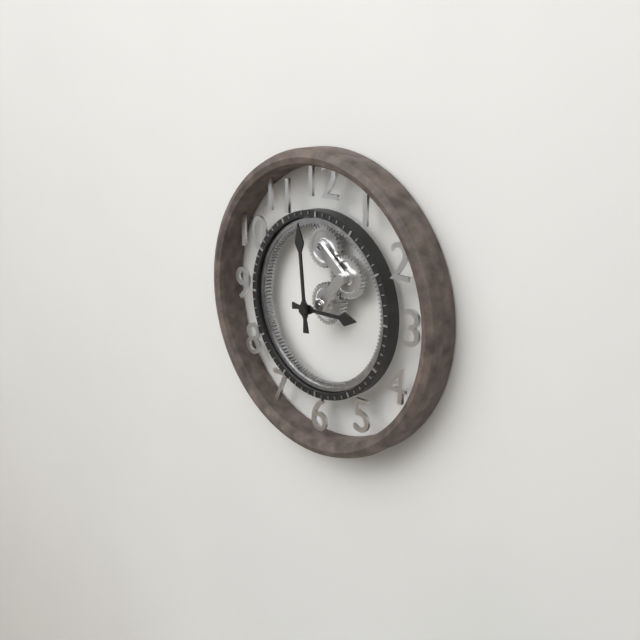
2:59
